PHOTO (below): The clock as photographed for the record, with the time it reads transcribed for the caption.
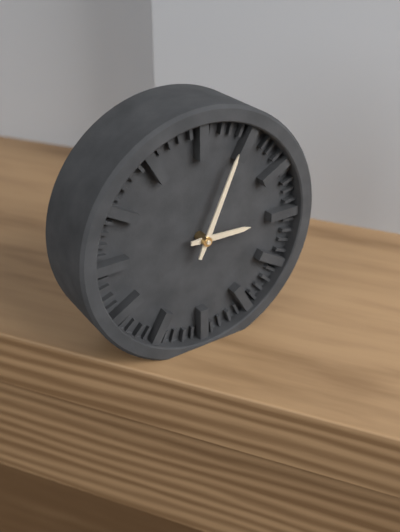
3:04
